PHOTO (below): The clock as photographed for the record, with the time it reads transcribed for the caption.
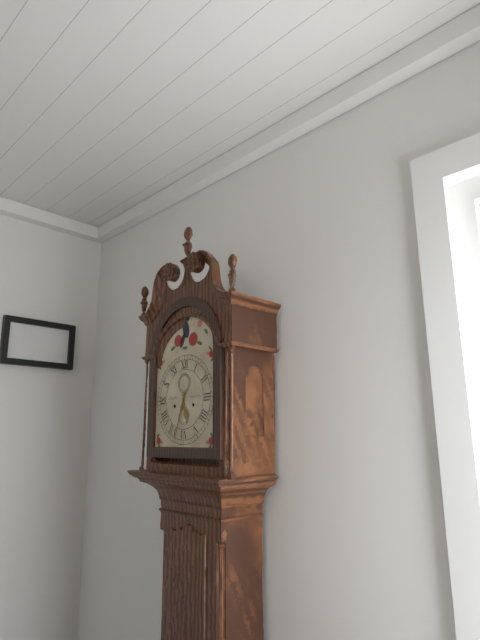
5:33
